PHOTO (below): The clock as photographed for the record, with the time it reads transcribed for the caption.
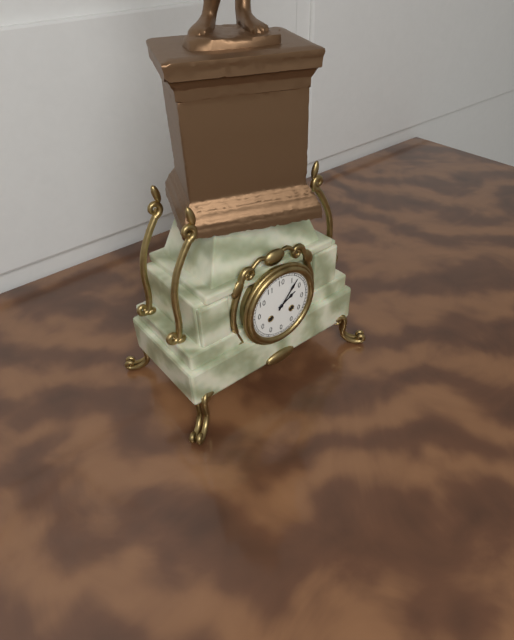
2:07
